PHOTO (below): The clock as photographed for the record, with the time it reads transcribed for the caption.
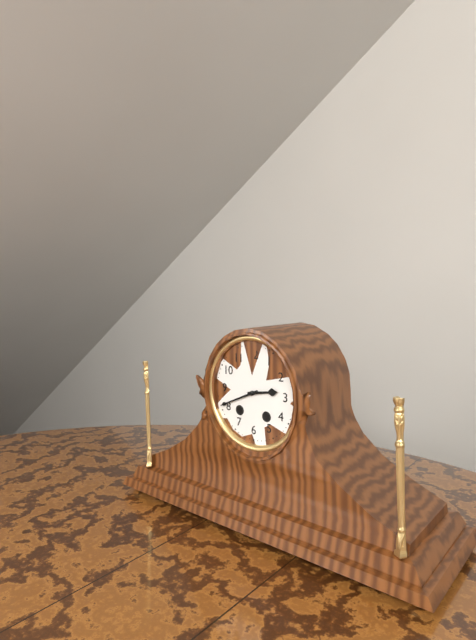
2:41
